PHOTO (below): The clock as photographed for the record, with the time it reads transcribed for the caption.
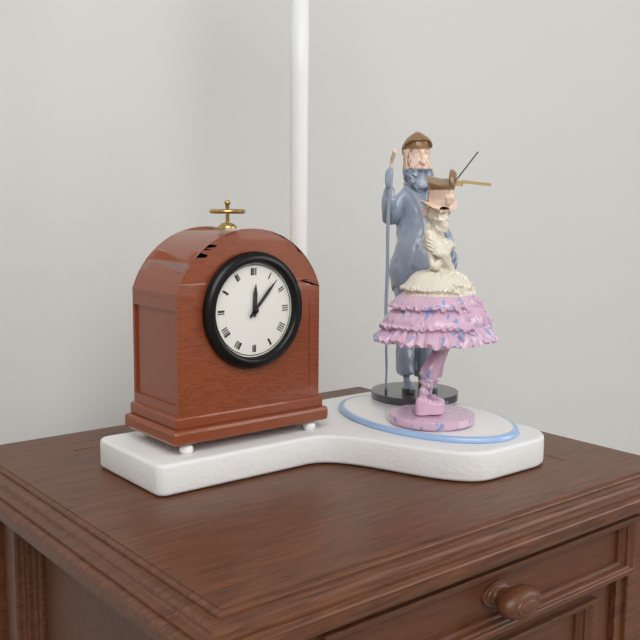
12:07
